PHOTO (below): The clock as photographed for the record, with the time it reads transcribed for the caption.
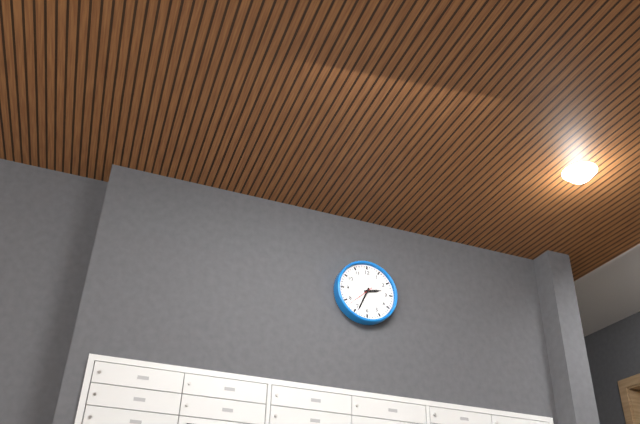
2:34
